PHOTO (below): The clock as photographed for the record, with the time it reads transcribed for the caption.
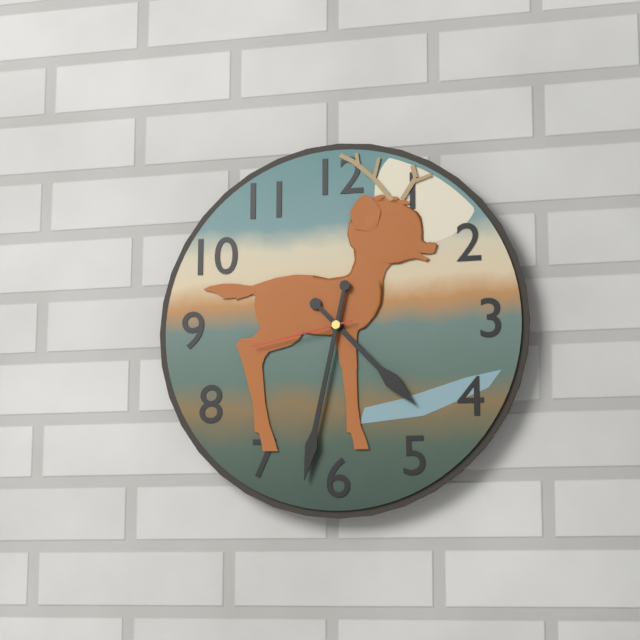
4:32:43
